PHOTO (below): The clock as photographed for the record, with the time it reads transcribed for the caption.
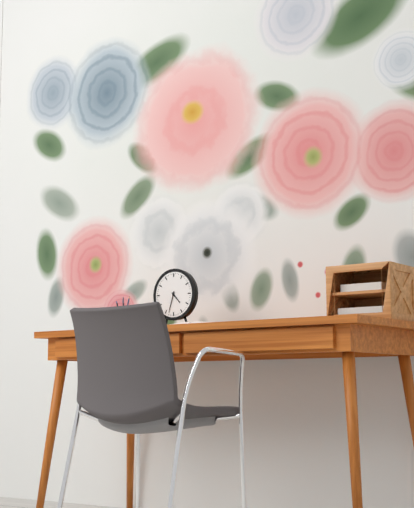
4:33
